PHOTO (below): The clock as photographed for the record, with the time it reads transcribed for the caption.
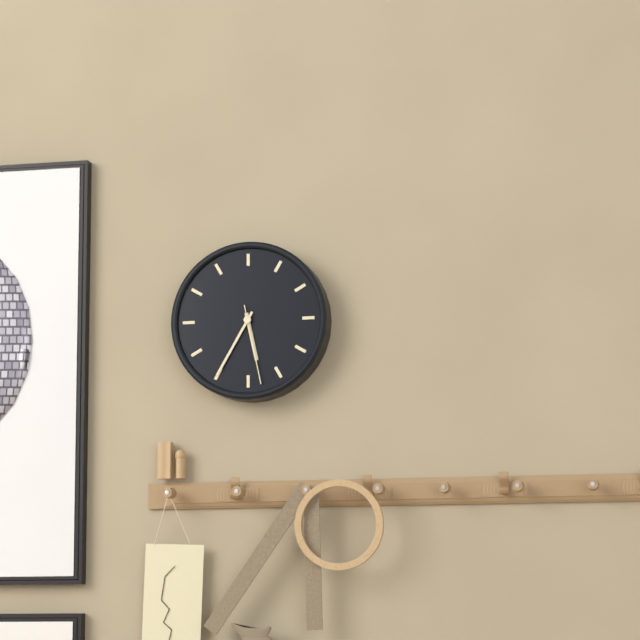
5:35:28
